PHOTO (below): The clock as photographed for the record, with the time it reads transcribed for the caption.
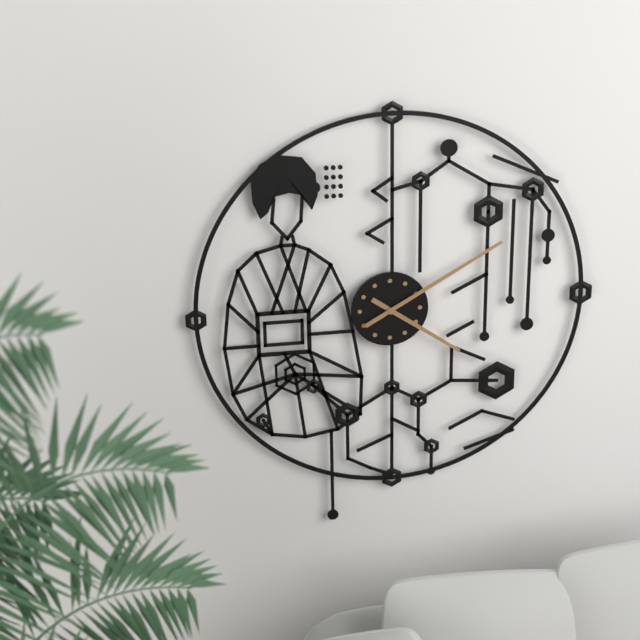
4:10
